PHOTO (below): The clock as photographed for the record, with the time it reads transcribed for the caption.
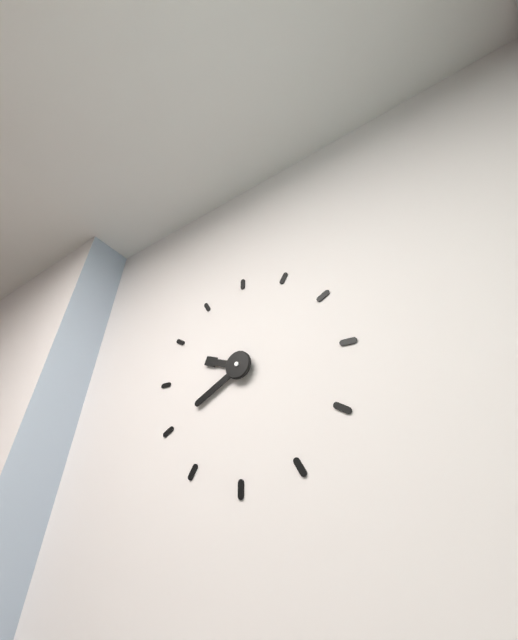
9:40
